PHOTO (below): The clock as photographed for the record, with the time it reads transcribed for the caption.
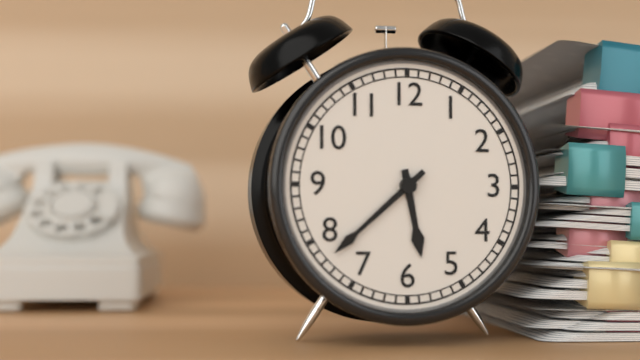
5:38
